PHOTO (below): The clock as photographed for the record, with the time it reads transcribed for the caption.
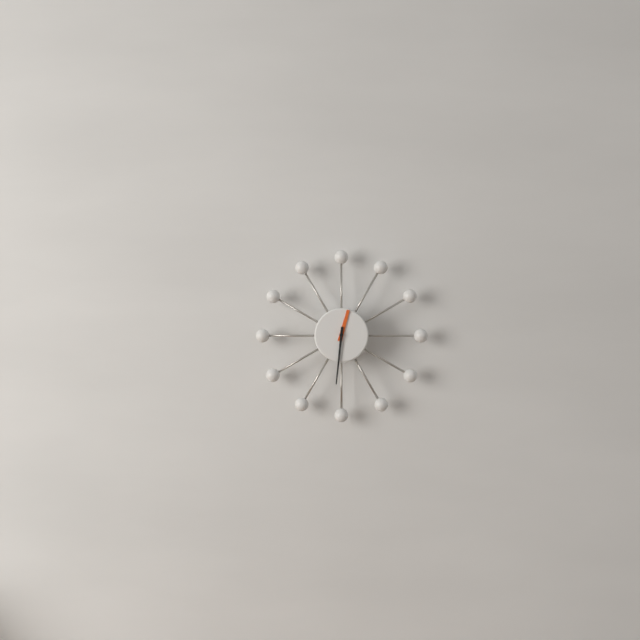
12:31
